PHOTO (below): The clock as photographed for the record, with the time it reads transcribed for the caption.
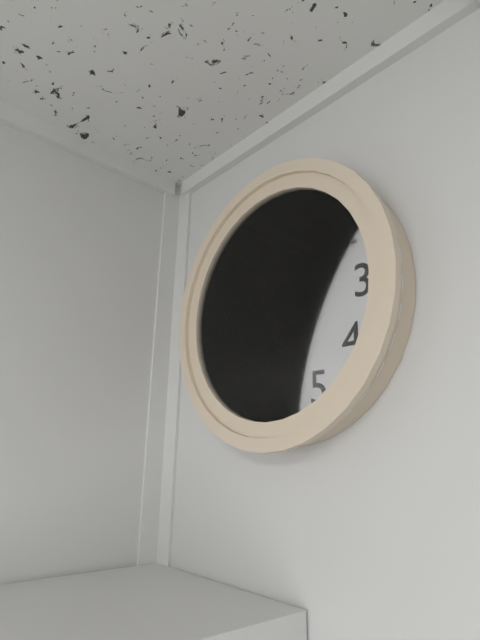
12:10:03
